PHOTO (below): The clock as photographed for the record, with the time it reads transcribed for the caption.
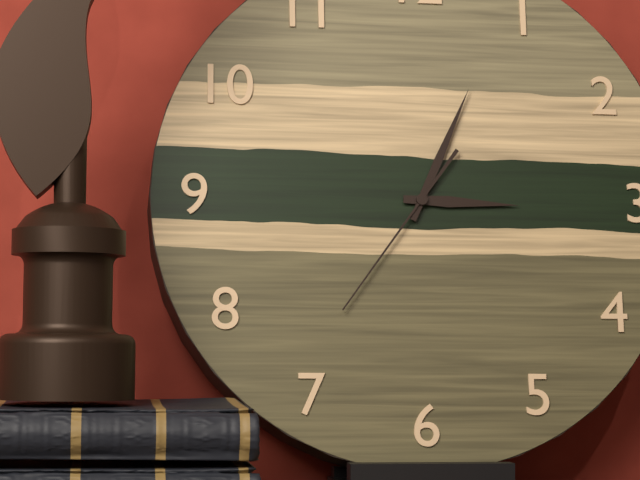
3:04:36
